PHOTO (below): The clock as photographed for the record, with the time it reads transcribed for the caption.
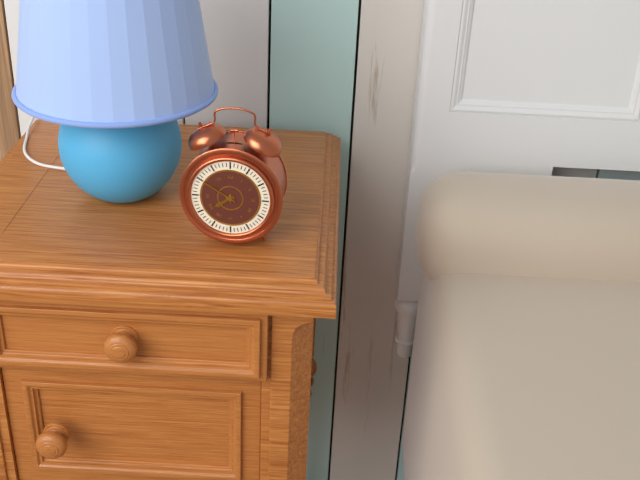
7:50
